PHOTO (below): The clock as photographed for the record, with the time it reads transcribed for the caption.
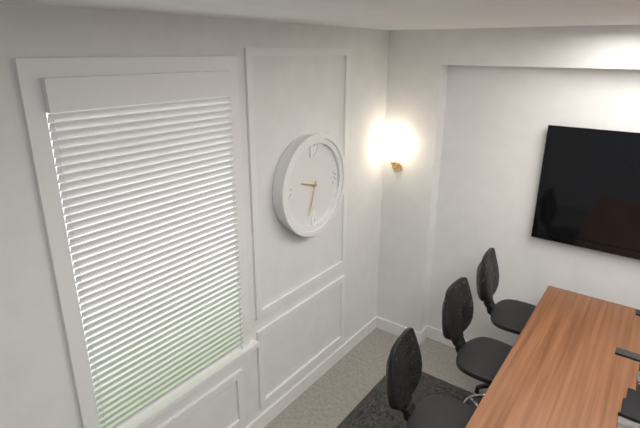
9:33
